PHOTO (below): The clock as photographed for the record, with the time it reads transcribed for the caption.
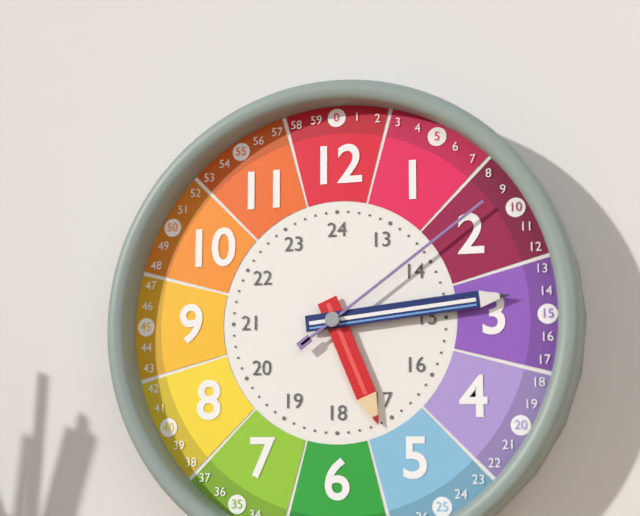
5:14:09
